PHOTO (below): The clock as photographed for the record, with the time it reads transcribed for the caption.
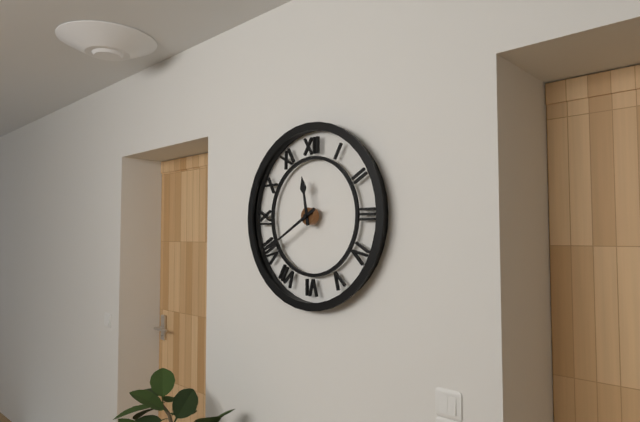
11:40
